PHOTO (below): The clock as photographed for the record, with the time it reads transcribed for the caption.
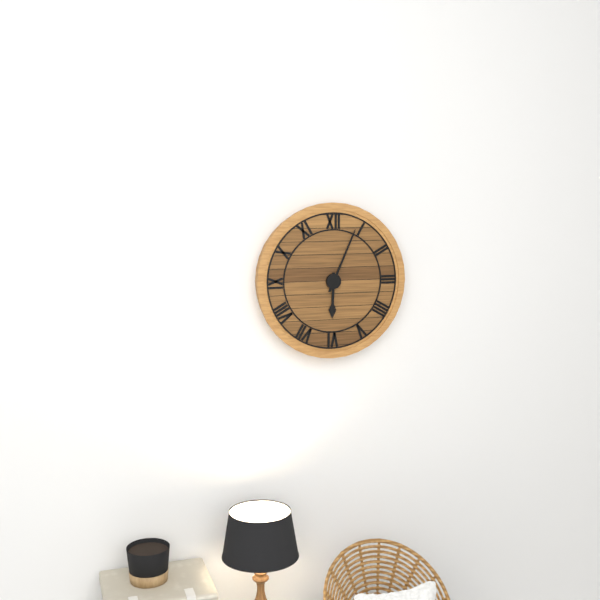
6:04
